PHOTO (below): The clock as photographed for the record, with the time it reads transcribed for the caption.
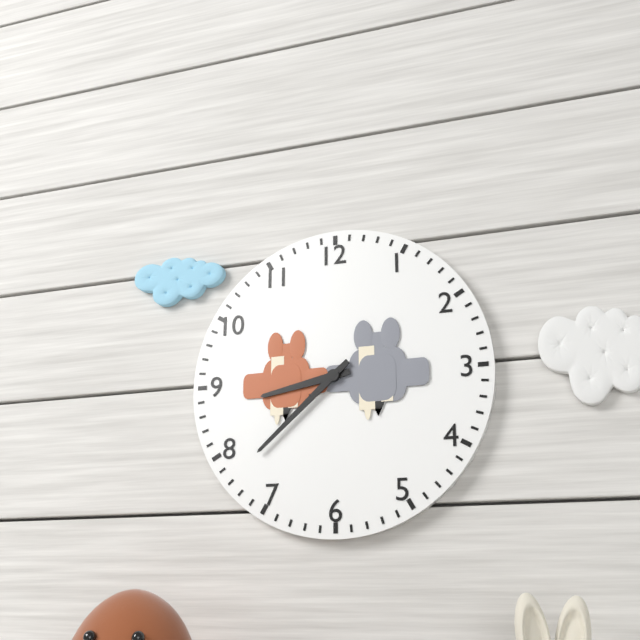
8:38
